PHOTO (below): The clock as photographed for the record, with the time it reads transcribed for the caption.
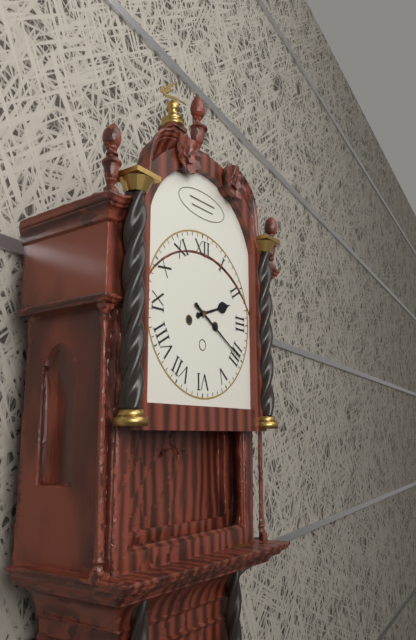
2:20
